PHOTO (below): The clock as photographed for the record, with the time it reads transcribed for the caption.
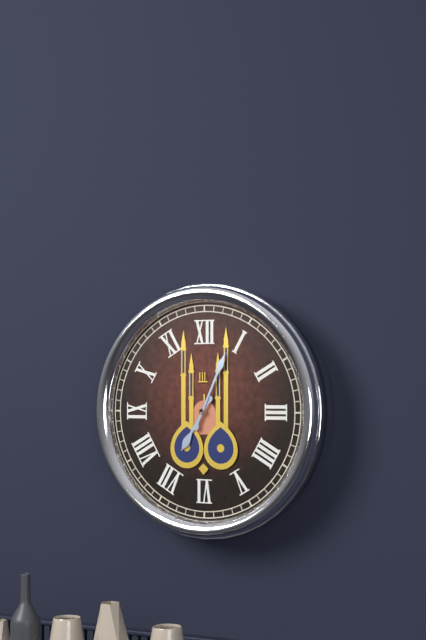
7:04
